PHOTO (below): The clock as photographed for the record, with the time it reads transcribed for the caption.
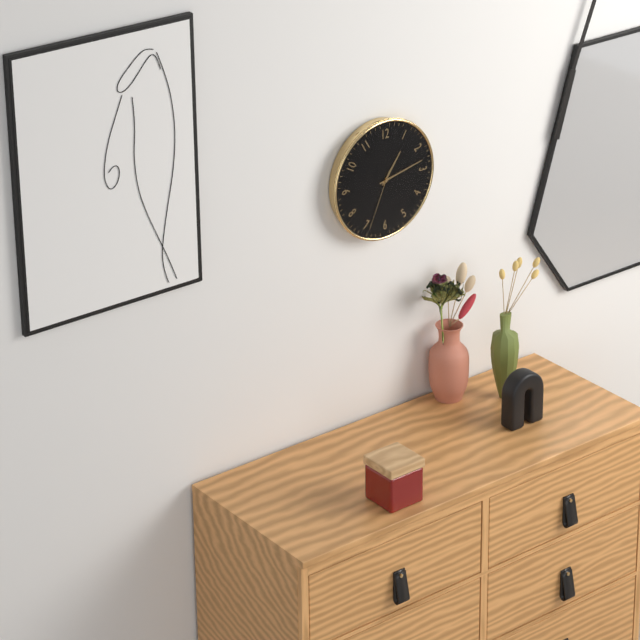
1:13:34
